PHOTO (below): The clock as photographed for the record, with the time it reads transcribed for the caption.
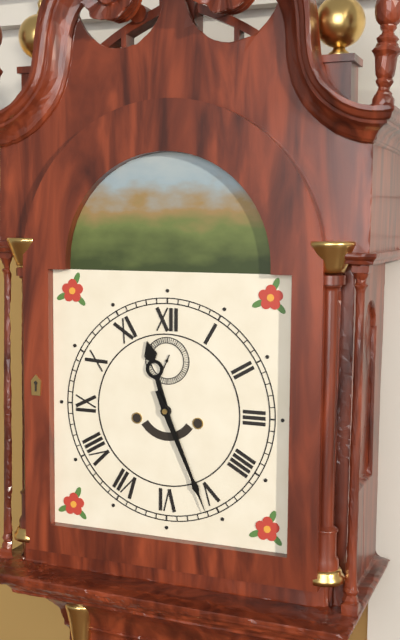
11:26
